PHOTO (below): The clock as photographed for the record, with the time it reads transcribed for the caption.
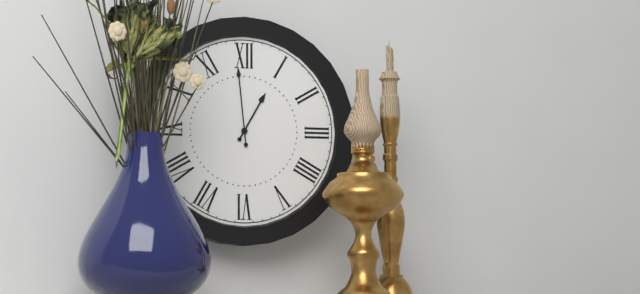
12:59
